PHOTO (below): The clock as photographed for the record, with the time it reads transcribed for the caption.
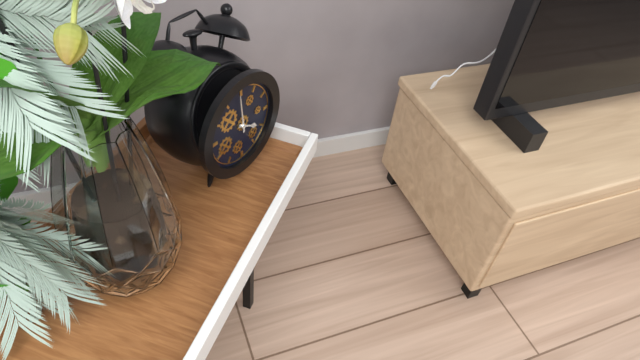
3:59
